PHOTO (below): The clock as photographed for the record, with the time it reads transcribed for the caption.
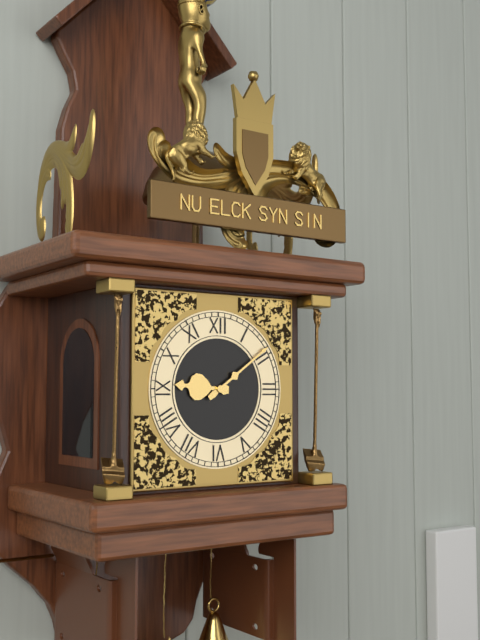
9:09
